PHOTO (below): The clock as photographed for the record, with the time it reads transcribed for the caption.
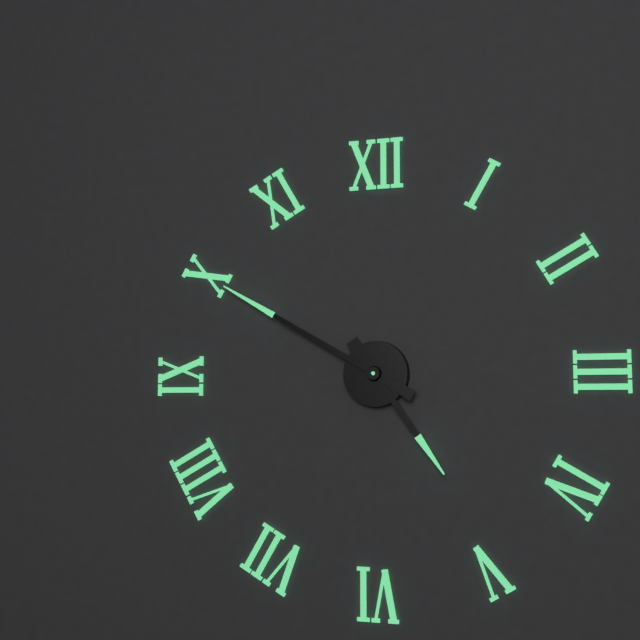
4:50
